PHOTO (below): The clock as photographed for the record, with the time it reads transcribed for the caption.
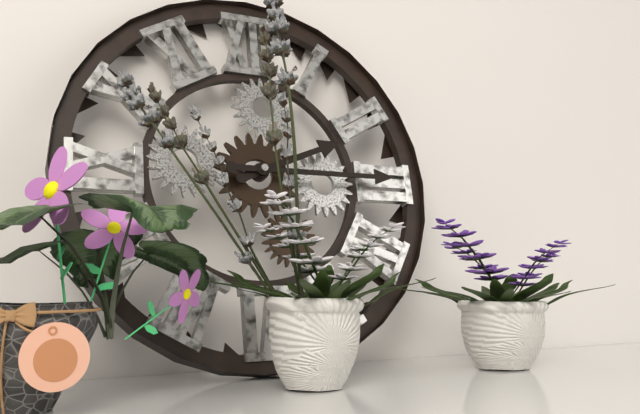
2:15
